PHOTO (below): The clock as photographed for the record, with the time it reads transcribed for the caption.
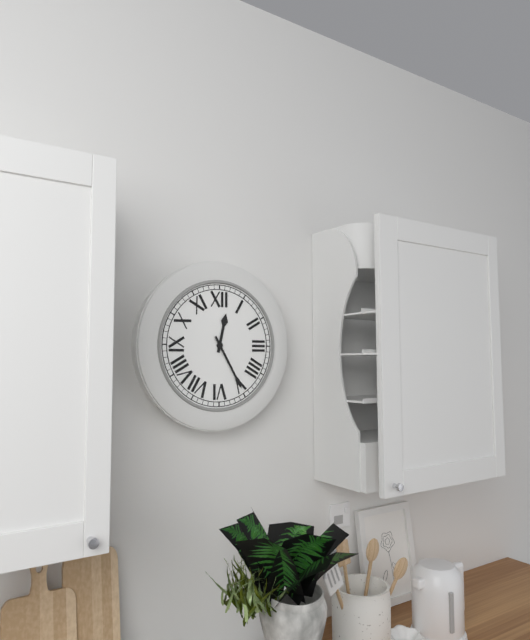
12:25
